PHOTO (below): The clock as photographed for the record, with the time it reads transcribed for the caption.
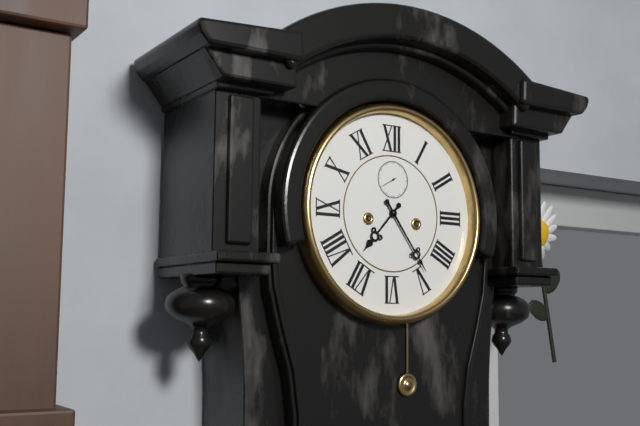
7:24
